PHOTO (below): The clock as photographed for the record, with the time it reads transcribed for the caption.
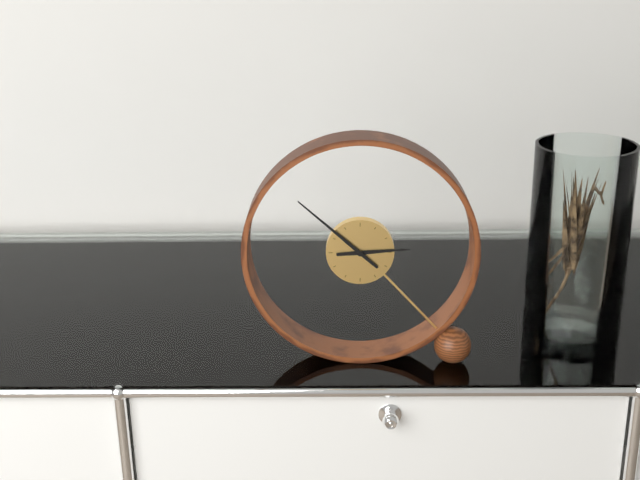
2:52
